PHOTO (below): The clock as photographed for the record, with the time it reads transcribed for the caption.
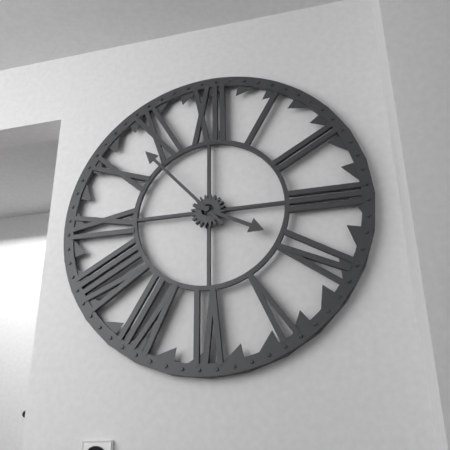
3:53
